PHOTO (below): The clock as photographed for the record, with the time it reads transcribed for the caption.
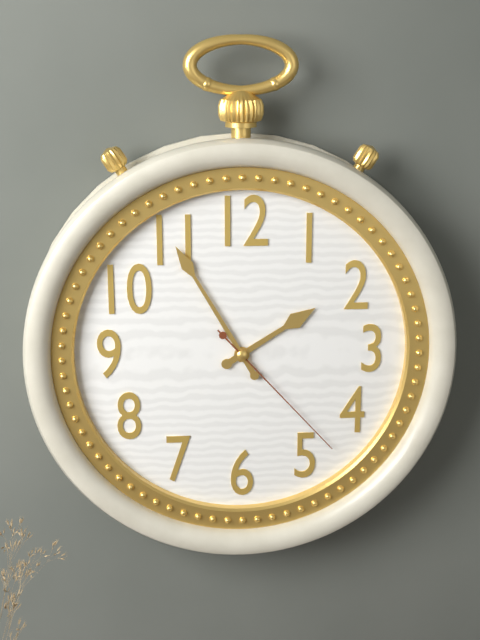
1:55:23
